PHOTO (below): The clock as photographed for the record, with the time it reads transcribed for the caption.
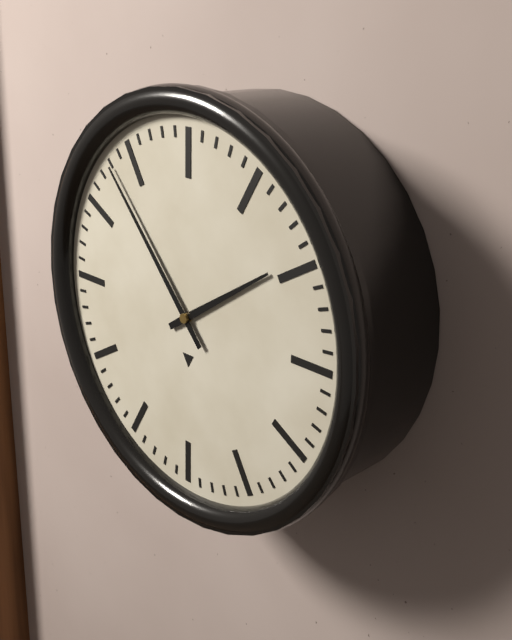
1:53
